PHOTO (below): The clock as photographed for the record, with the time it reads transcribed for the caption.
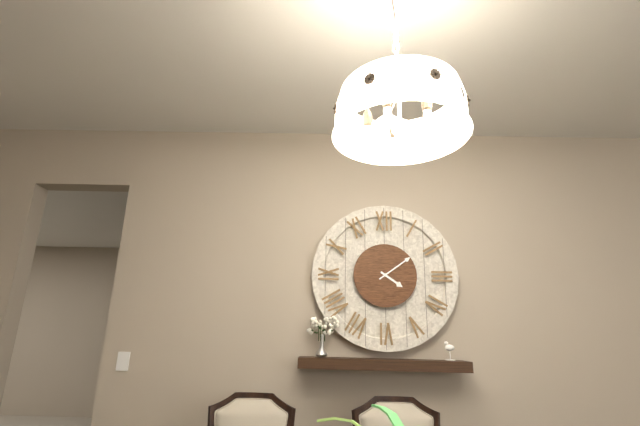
4:09
